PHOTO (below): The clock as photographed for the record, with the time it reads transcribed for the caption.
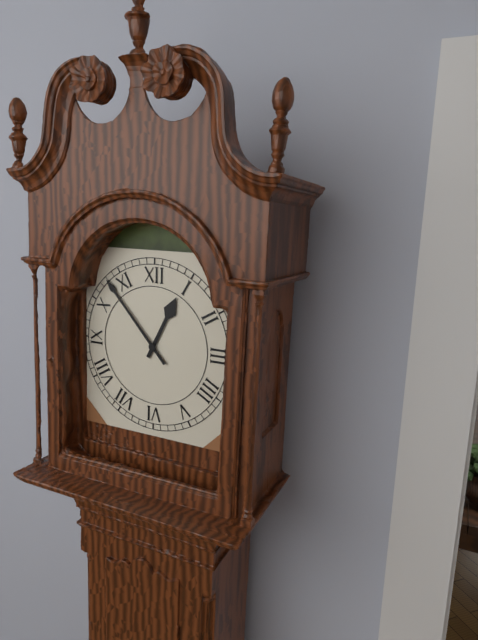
12:53
